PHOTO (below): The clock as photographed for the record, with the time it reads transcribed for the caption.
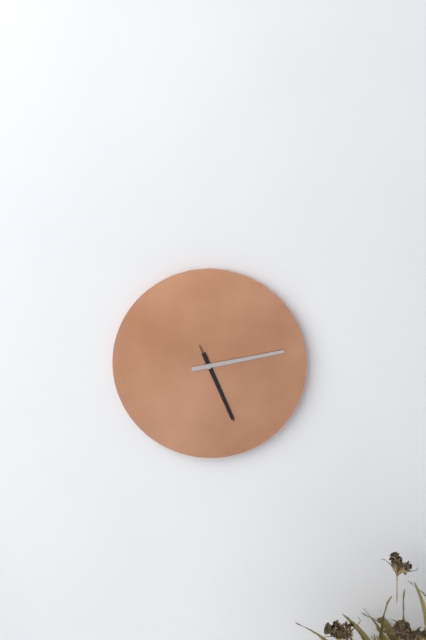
5:13:26
